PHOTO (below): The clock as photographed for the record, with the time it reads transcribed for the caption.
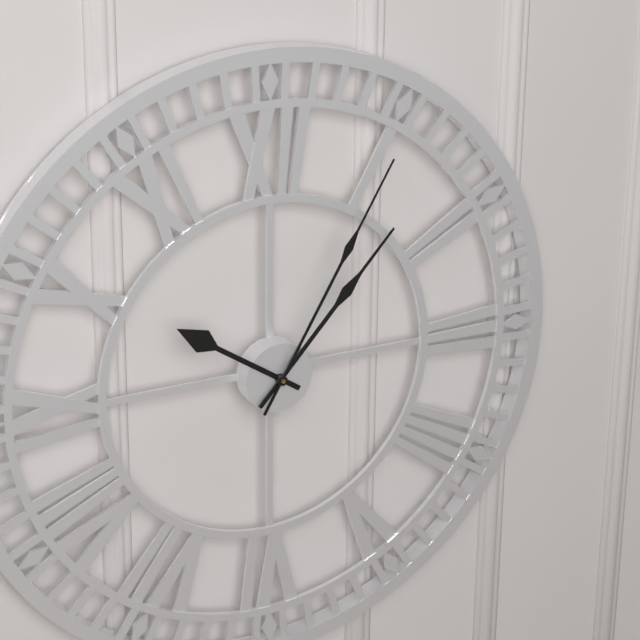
10:07:05
